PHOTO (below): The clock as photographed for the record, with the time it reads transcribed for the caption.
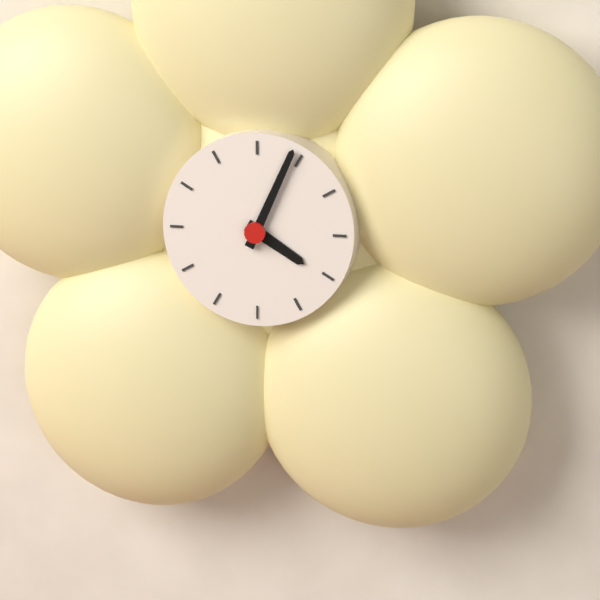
4:04
